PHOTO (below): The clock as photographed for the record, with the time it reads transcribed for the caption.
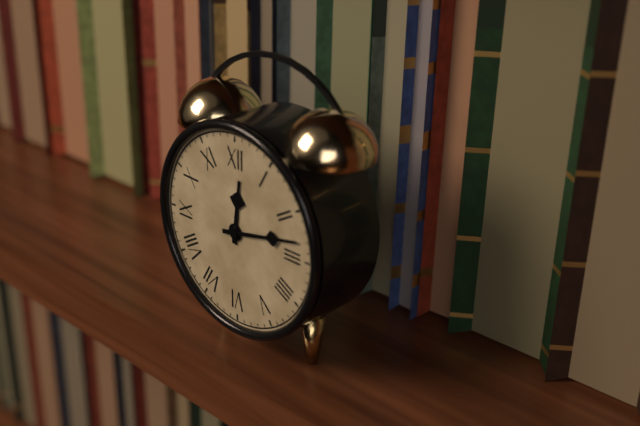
12:13
